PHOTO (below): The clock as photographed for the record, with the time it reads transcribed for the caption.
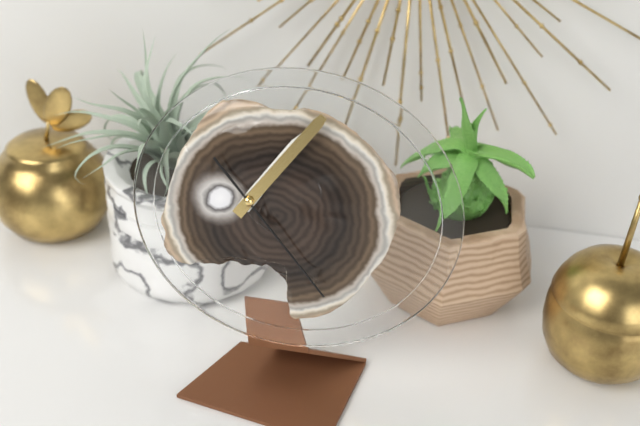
1:06:23
